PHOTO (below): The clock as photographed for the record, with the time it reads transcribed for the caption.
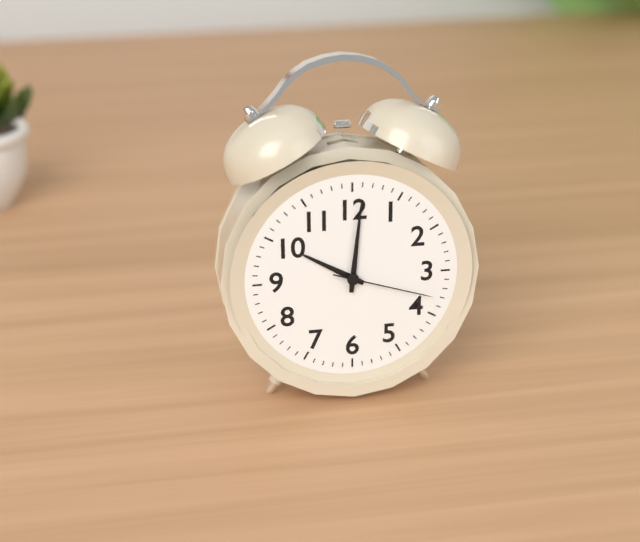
10:01:18
